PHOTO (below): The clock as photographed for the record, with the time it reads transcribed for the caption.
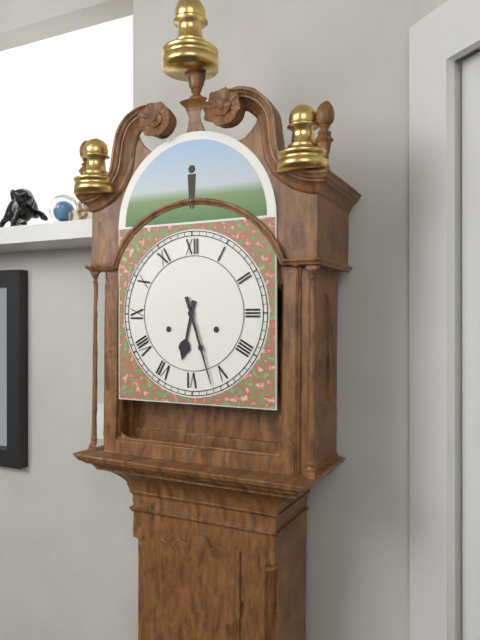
6:27
